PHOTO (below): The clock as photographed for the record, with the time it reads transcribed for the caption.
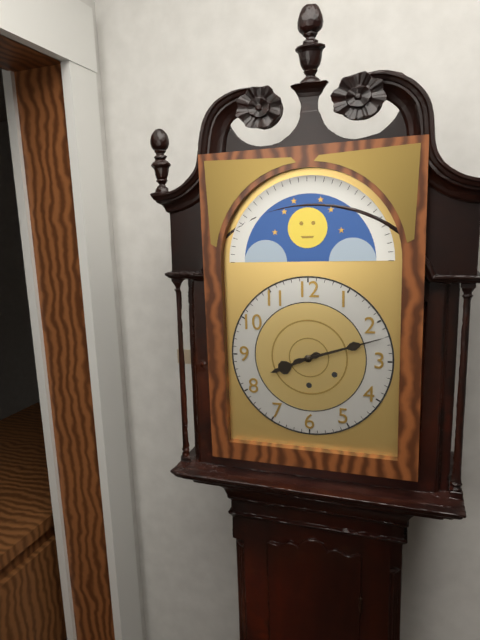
8:12
